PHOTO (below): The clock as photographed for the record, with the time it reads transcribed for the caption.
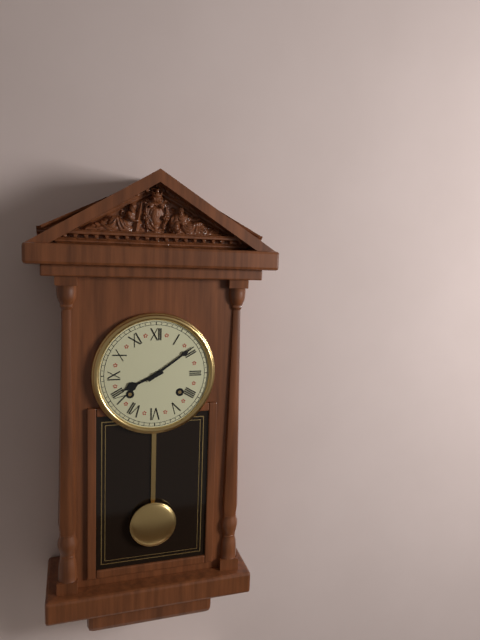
8:09
